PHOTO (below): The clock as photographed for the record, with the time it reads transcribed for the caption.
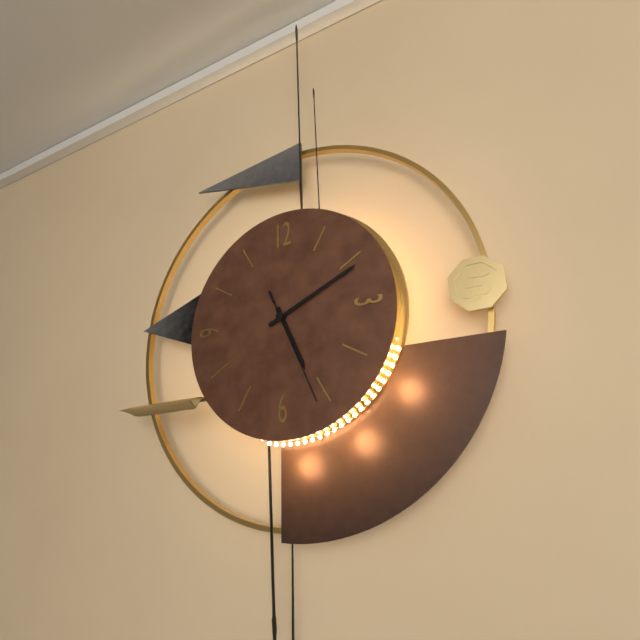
5:11:26
